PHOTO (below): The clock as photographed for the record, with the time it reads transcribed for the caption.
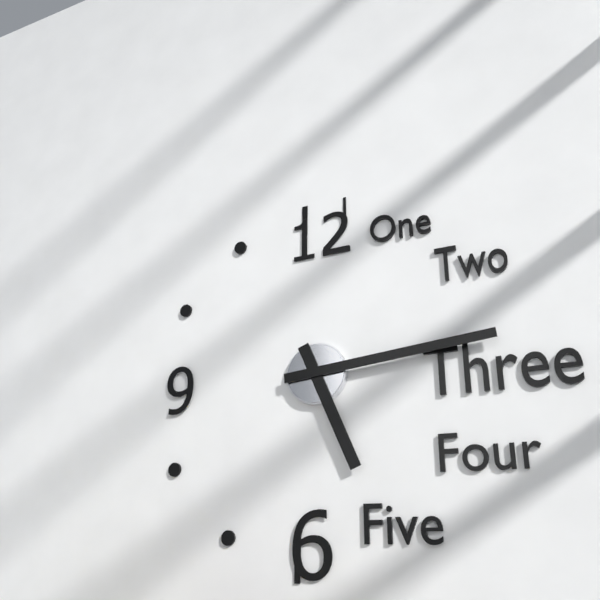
5:14
